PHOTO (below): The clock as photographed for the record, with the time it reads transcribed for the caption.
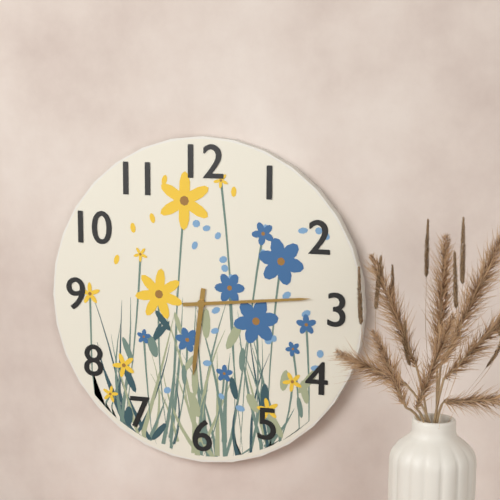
6:14
